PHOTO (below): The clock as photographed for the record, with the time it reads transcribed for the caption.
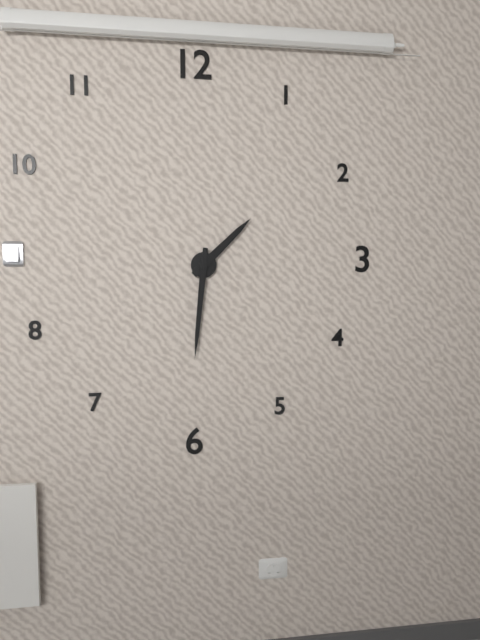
1:31
